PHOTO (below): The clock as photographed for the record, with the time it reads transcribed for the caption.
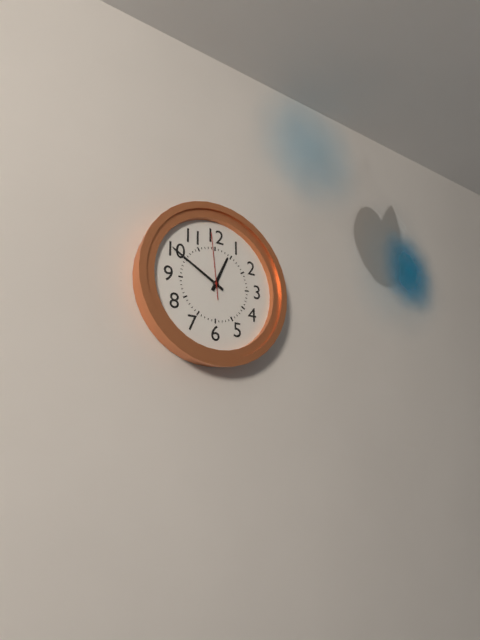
12:50:59
